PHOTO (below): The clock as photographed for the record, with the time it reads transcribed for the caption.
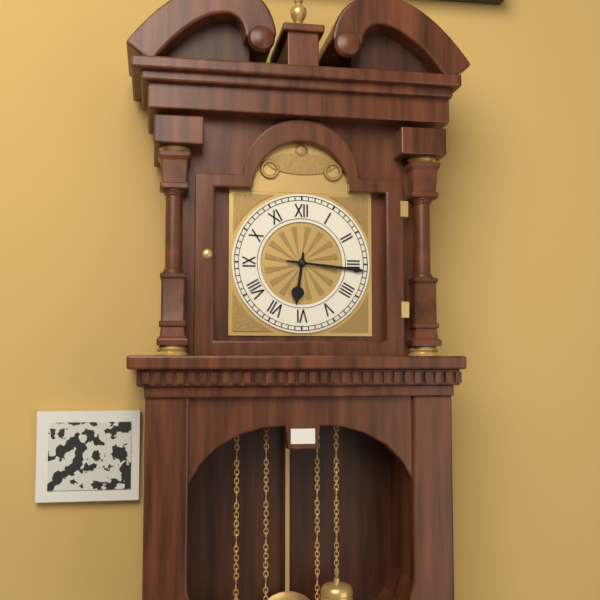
6:16
